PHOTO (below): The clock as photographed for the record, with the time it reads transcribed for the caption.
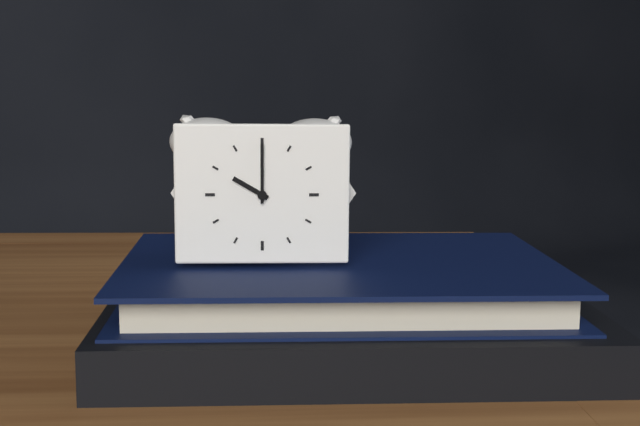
10:00
